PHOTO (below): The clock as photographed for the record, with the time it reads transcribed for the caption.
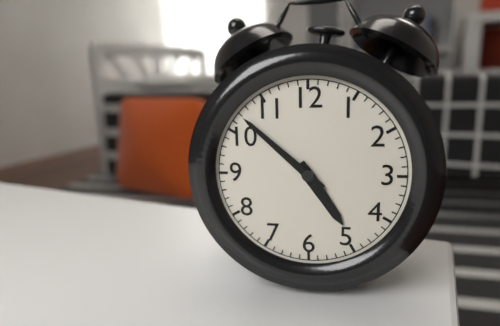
4:52
